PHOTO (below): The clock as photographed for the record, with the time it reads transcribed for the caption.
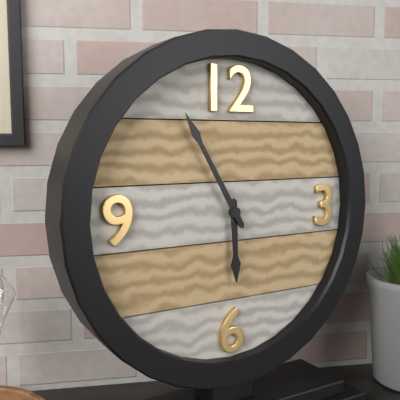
5:55
